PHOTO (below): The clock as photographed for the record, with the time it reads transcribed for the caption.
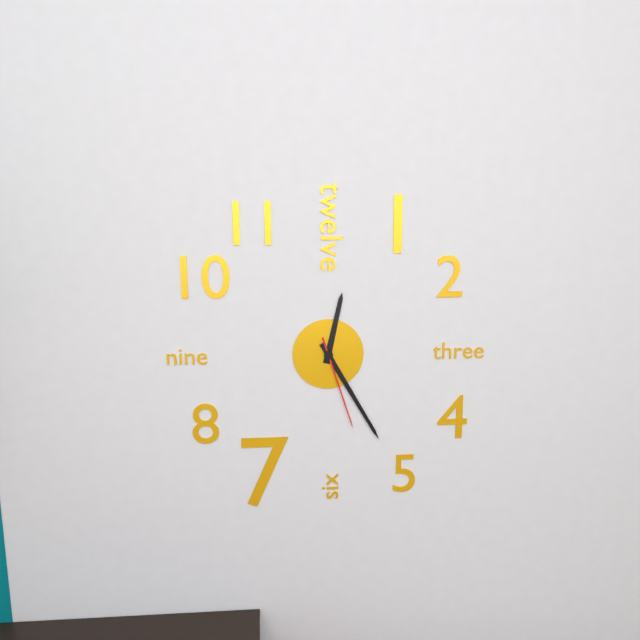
12:25:27
